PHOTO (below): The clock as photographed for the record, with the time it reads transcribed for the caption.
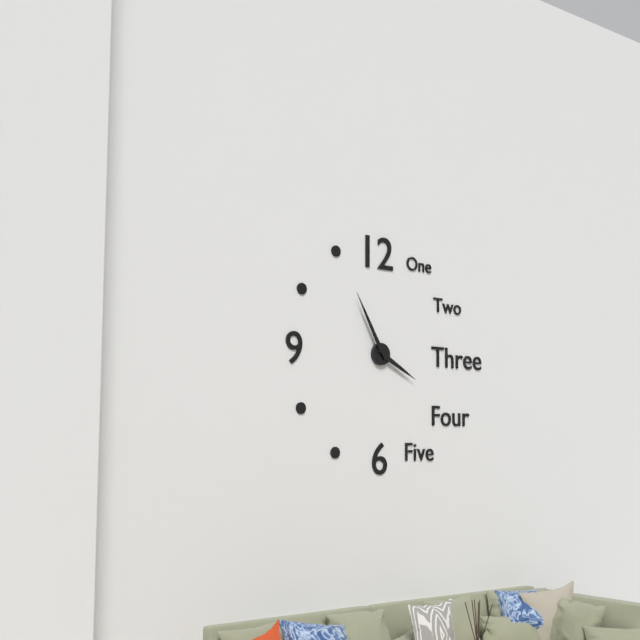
3:55
